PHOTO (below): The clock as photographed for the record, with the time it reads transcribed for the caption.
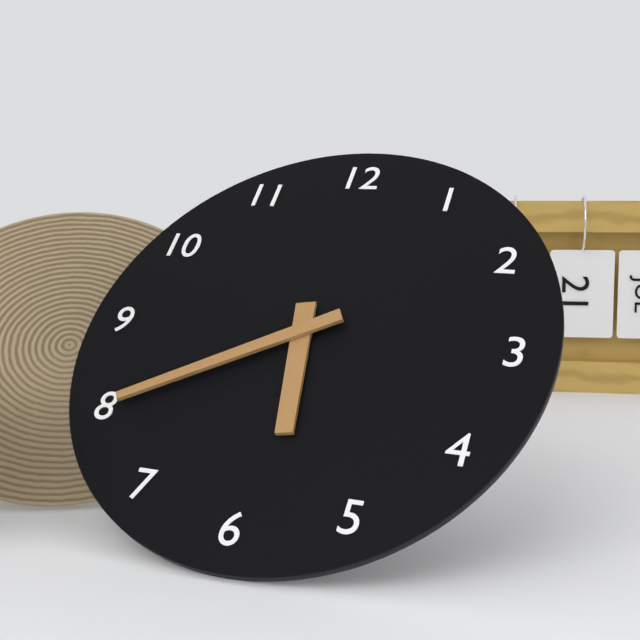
5:40
